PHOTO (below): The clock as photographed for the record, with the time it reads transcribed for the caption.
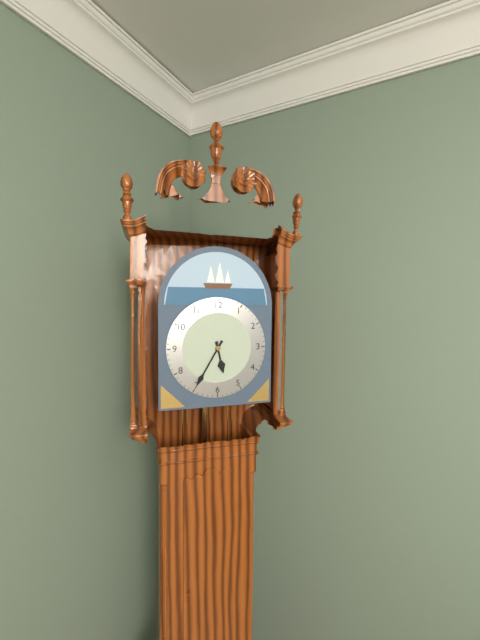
5:35
